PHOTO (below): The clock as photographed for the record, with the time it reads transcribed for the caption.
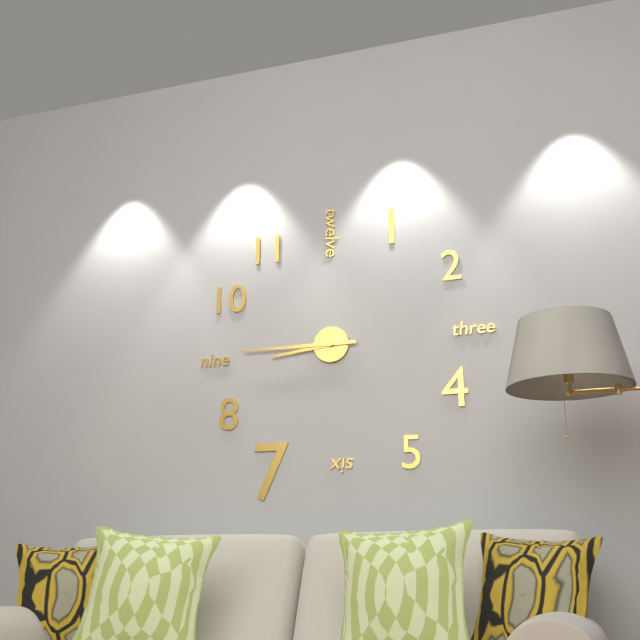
8:45
